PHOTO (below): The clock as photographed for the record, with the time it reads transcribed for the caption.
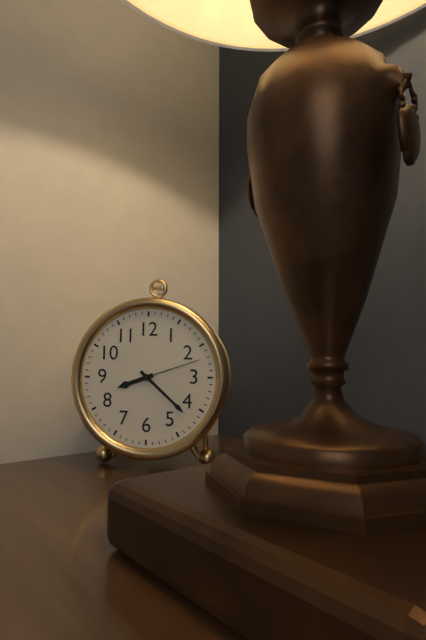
8:22:12
